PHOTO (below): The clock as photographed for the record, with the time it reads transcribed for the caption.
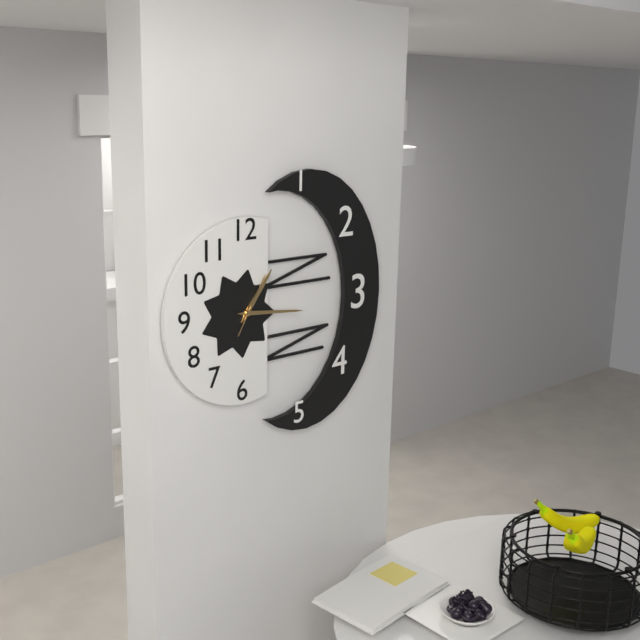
1:16:05
